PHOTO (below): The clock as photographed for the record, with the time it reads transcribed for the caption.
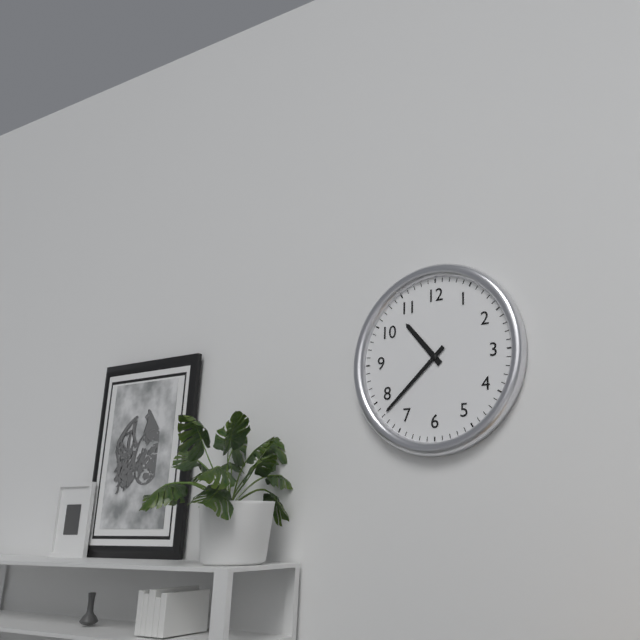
10:38
